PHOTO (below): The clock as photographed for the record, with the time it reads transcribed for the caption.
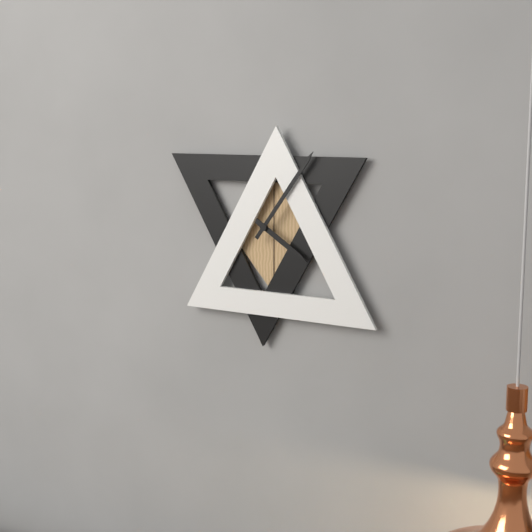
4:06
